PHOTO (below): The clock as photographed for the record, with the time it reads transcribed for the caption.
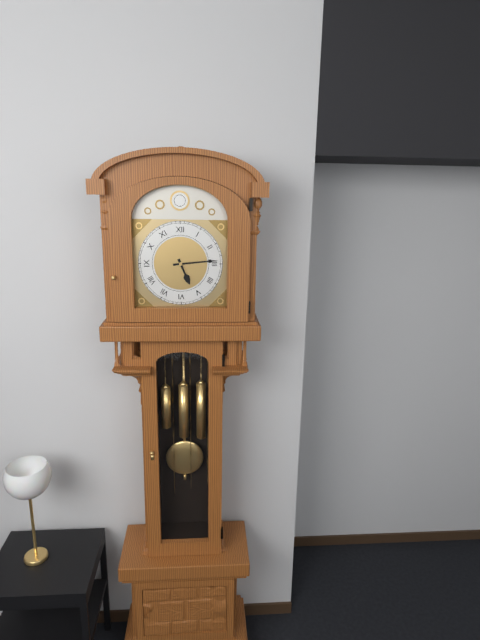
5:14
